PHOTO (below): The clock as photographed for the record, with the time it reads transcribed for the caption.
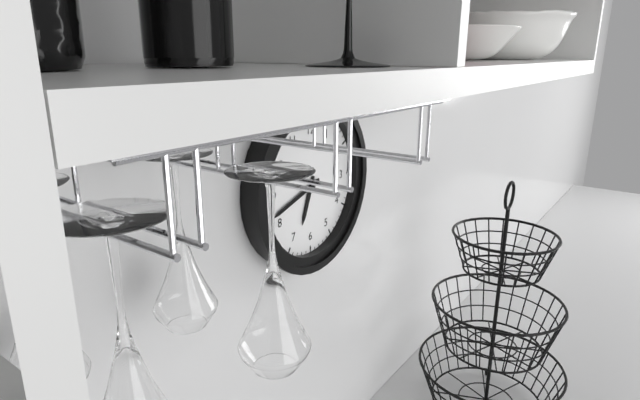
6:42
